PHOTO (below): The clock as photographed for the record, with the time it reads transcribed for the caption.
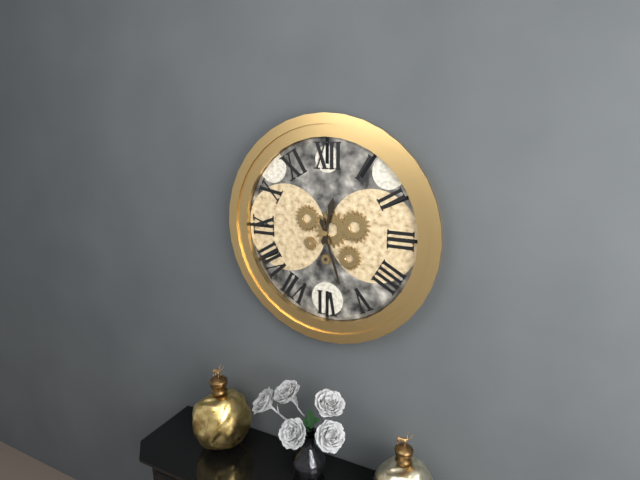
12:27
